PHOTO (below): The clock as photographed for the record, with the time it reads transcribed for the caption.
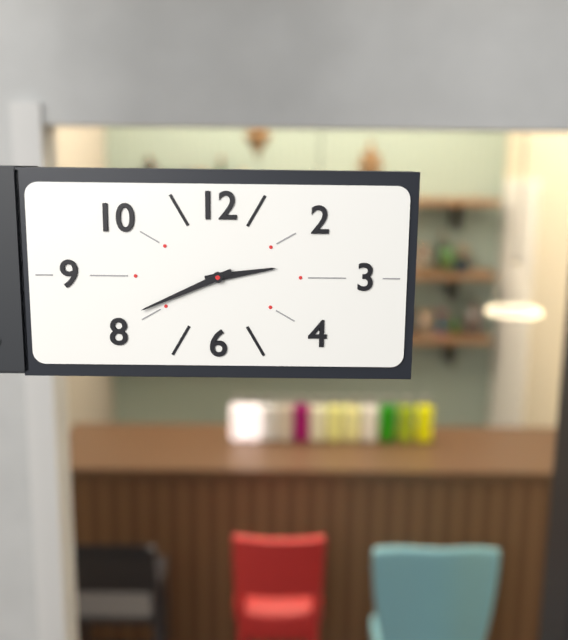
2:41
